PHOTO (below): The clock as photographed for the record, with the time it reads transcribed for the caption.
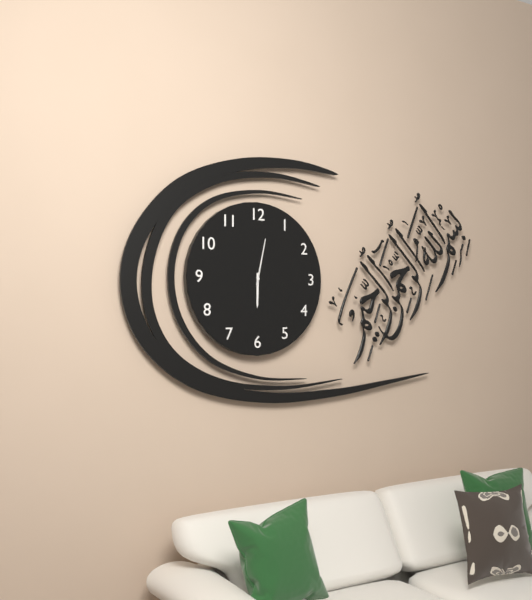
6:02
